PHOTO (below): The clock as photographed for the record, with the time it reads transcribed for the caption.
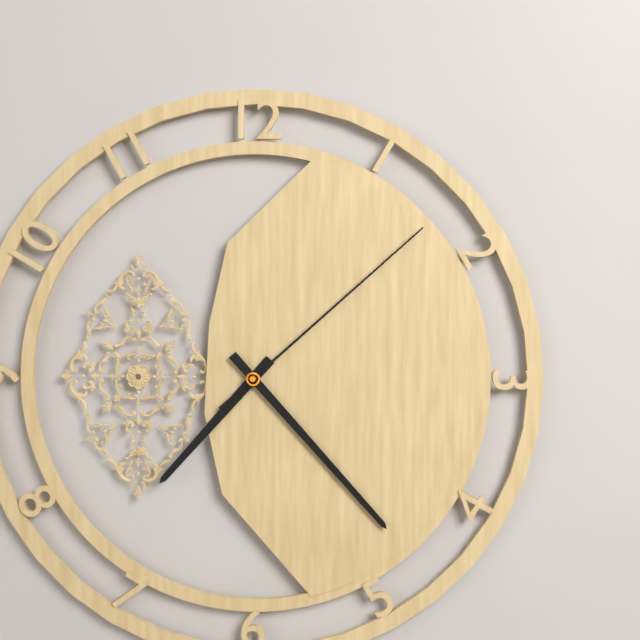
7:23:08
